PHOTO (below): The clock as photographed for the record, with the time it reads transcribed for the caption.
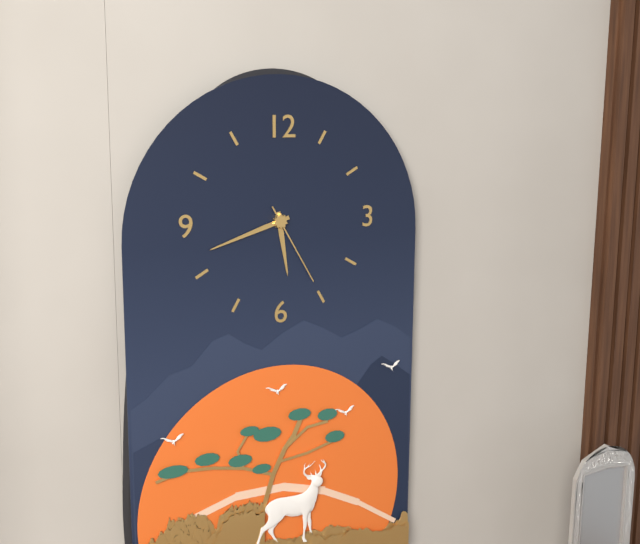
5:42:25
